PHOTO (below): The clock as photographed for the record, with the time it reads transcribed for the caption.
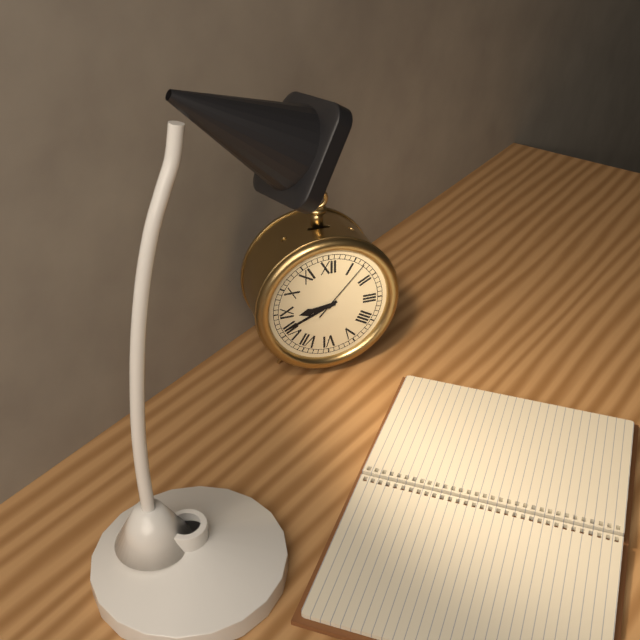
8:41:07
